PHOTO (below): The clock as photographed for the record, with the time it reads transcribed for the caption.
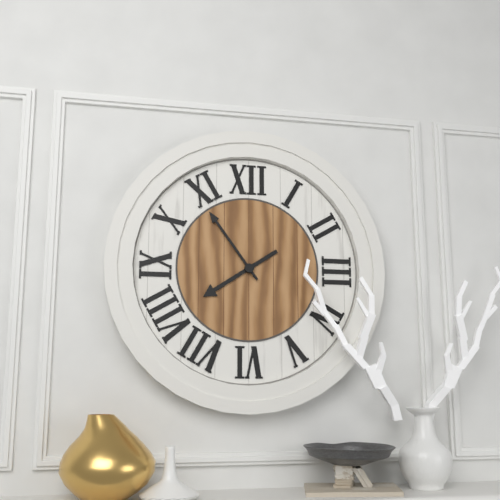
7:54
